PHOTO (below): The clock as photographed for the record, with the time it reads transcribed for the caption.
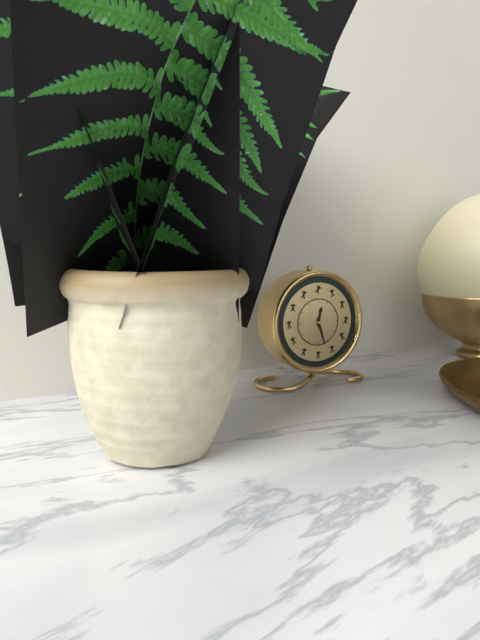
12:27
